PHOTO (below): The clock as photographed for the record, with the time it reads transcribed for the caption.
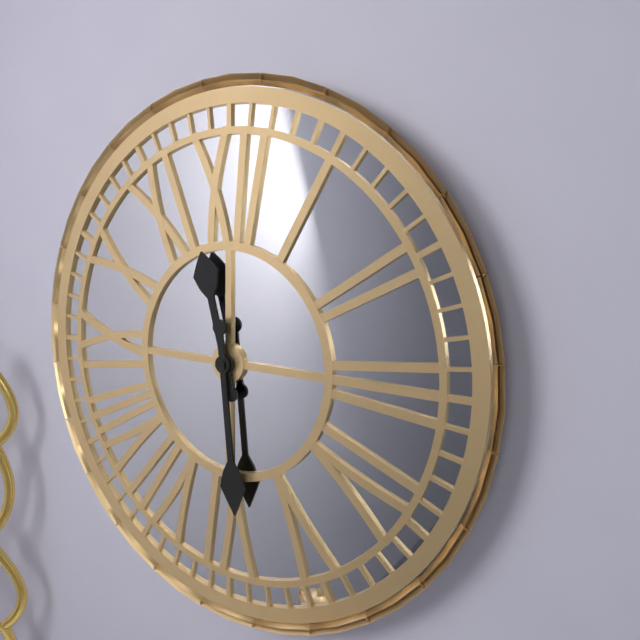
11:29
